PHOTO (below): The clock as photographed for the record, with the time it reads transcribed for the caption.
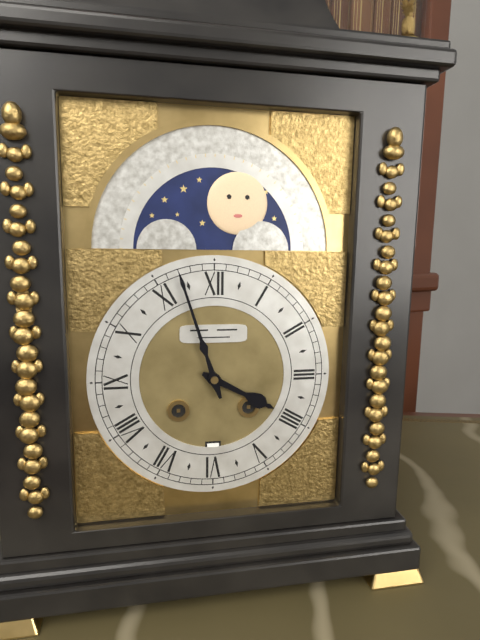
3:57
